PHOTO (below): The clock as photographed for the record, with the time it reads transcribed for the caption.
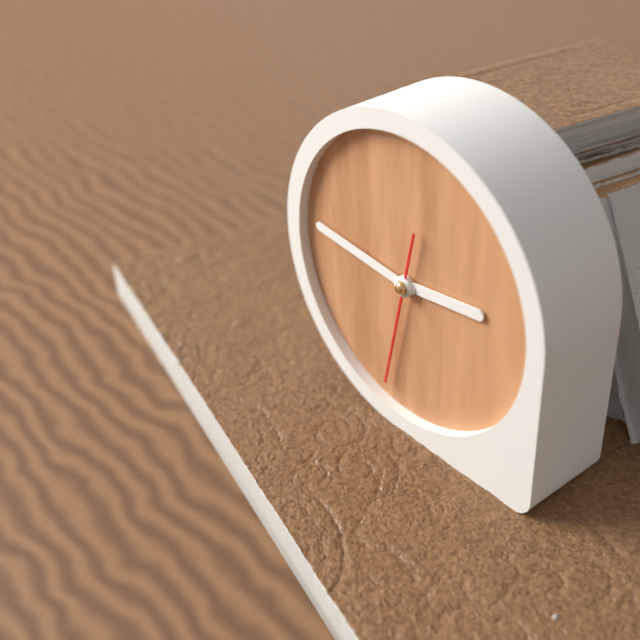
2:46:32
